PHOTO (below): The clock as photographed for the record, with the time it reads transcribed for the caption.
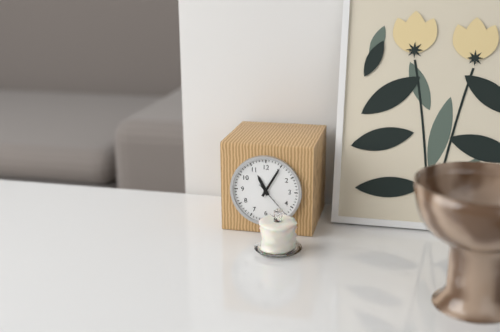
11:05
